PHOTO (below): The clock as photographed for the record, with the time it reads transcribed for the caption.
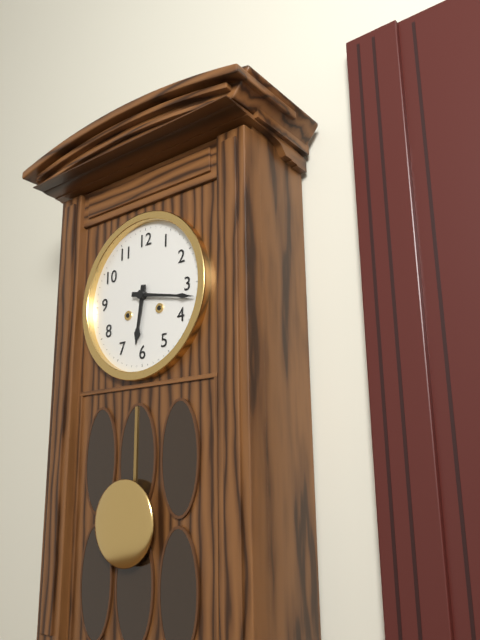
6:17
